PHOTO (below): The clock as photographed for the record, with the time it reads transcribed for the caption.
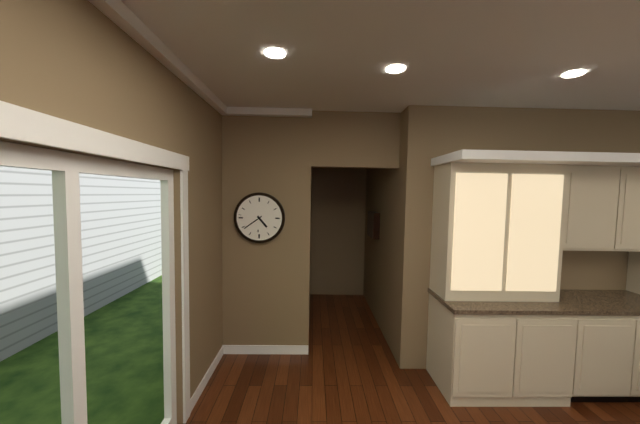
4:39
